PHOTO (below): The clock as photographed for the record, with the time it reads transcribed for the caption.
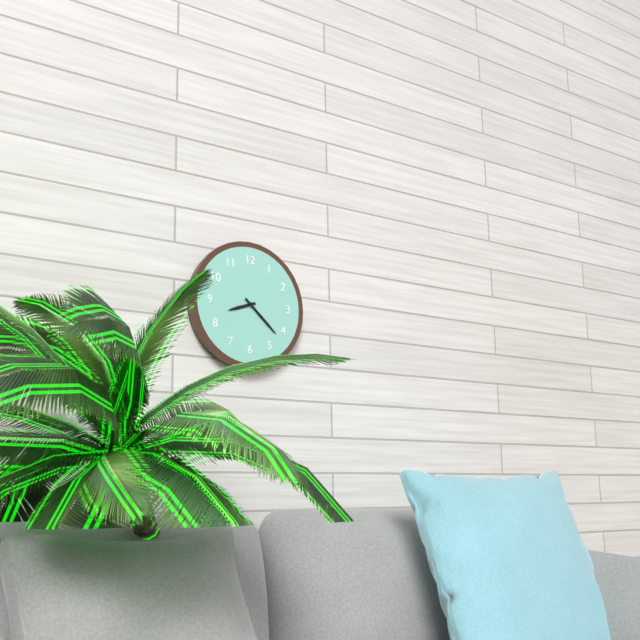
8:22
